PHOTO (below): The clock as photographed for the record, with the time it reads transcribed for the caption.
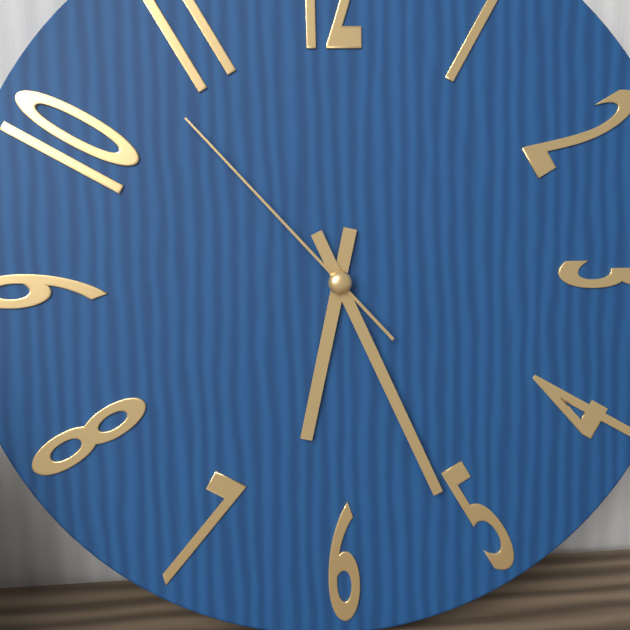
6:26:53
